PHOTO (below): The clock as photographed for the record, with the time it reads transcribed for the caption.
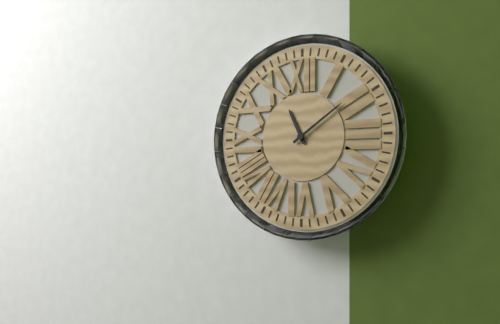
11:09
